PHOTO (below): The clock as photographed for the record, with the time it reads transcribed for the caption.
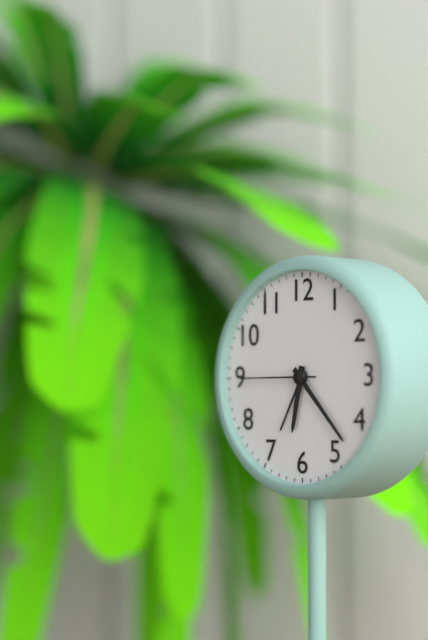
6:23:45
